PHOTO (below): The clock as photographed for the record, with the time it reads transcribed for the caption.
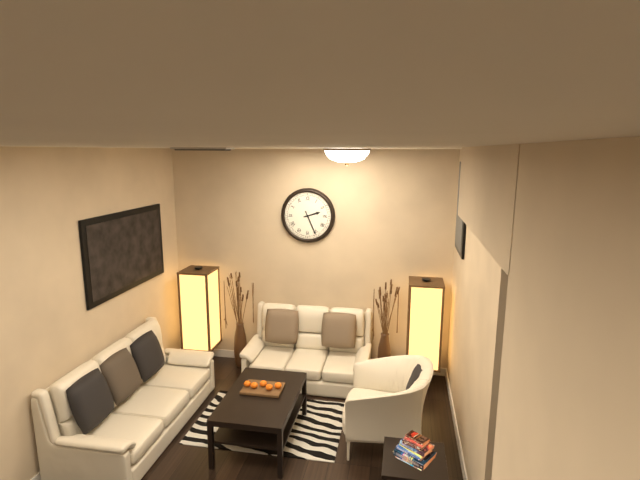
2:26
